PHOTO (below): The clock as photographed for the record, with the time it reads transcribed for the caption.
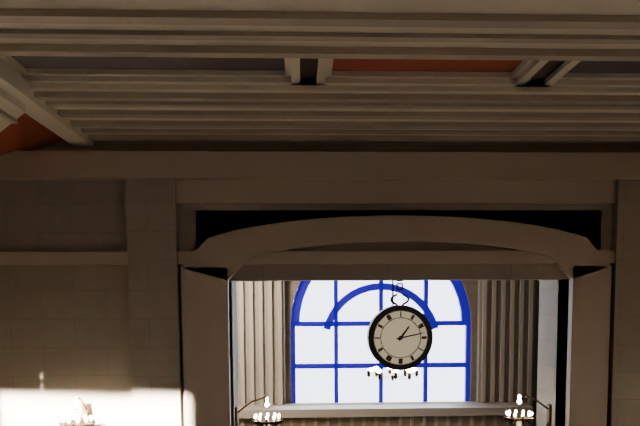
1:13
